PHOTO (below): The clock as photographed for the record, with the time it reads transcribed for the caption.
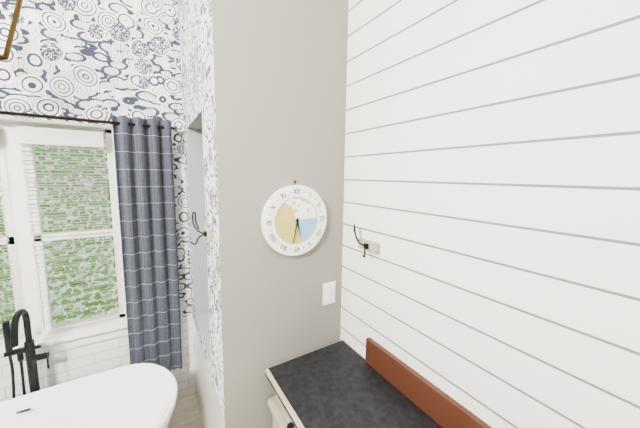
5:32
